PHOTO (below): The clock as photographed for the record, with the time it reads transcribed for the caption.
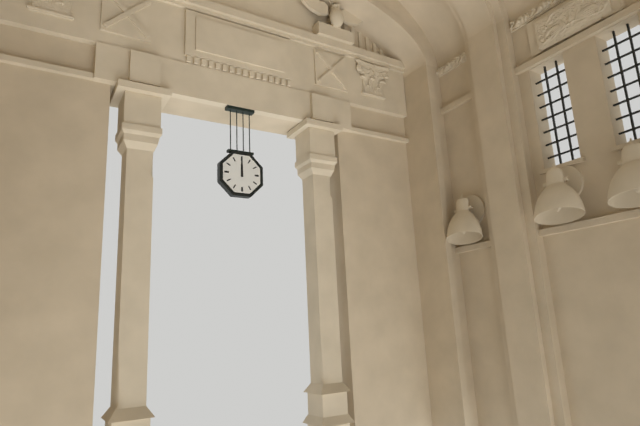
12:00
